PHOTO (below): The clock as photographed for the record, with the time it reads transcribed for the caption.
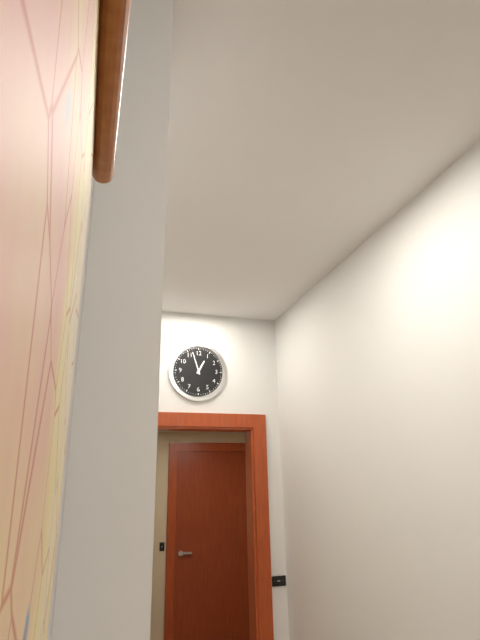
12:57
